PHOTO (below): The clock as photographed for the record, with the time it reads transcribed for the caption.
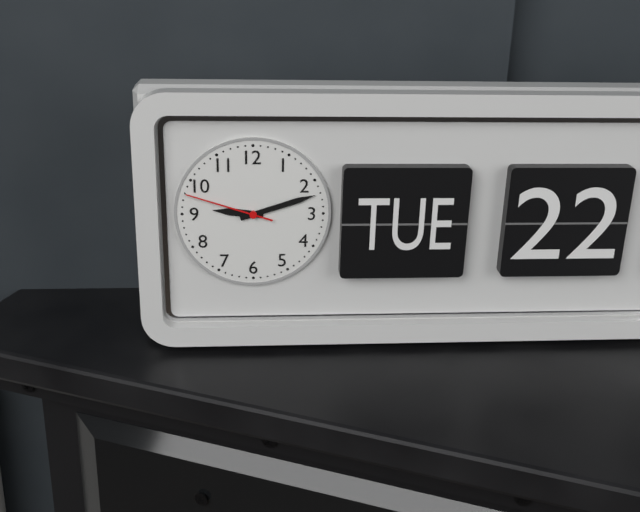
9:12:48
